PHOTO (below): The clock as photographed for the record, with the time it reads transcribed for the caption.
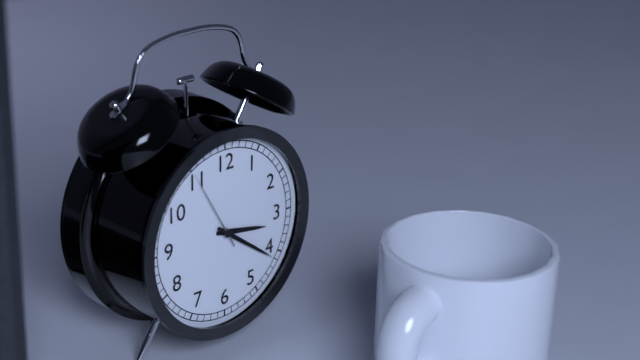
3:21:55
